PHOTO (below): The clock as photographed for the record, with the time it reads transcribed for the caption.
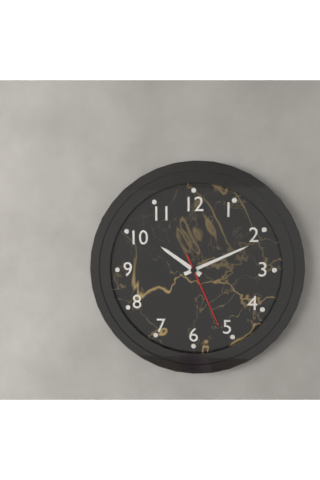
10:11:26
